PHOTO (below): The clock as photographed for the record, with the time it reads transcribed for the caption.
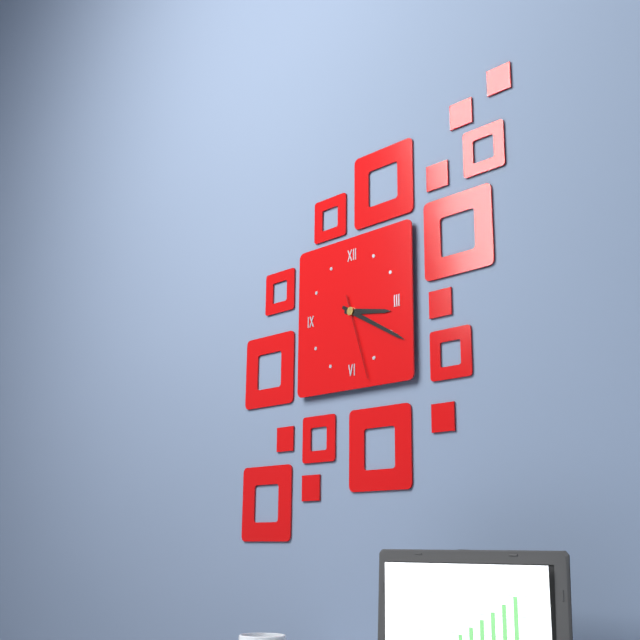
3:20:27
